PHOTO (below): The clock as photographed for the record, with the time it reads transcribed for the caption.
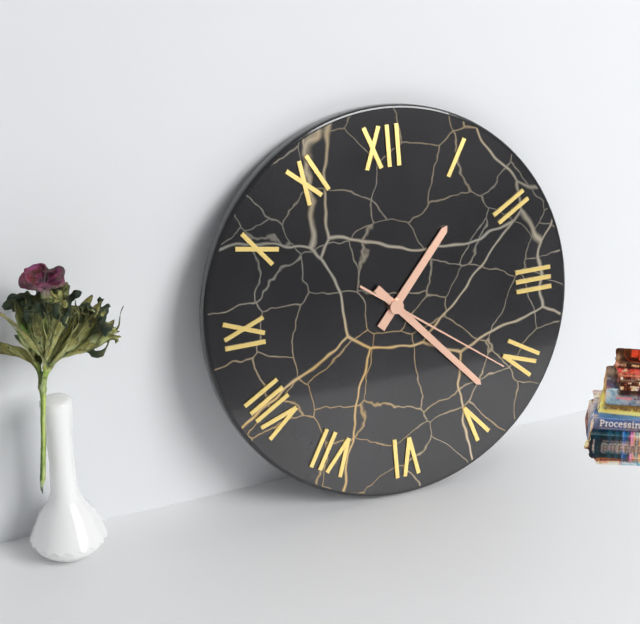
1:23:21
